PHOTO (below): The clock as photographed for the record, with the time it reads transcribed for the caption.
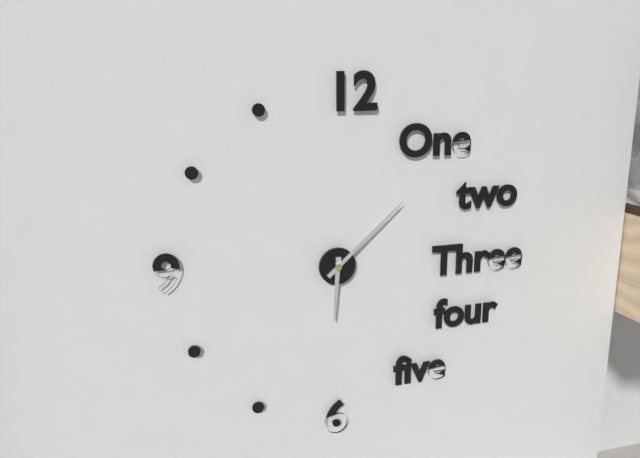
6:08
